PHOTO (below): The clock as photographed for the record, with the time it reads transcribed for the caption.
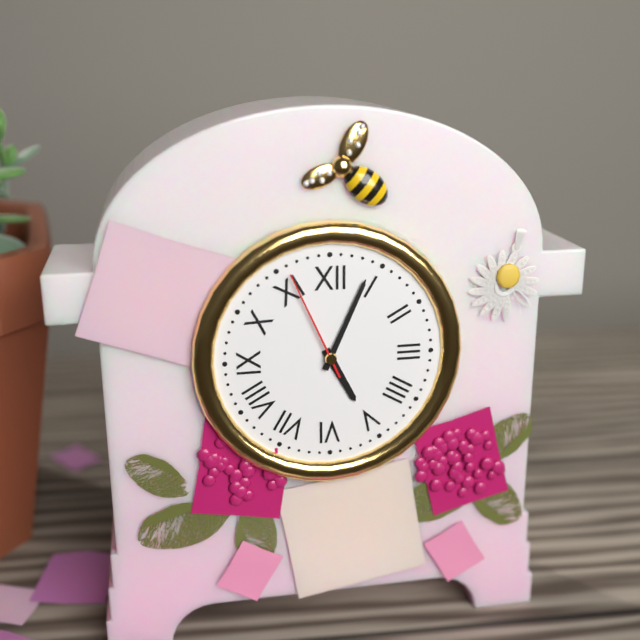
5:04:56
